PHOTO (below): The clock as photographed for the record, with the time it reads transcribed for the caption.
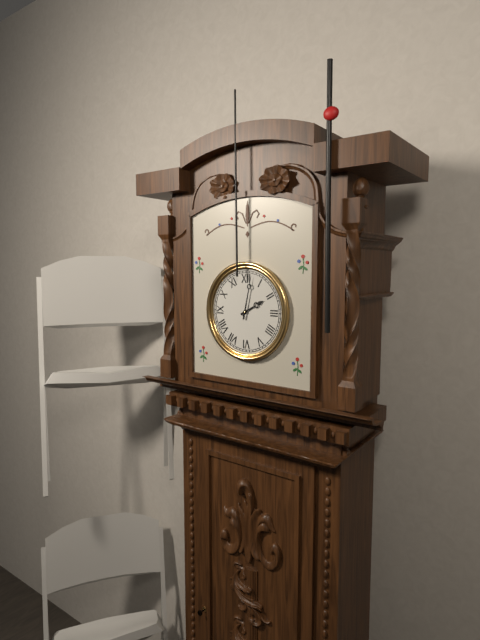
2:02
